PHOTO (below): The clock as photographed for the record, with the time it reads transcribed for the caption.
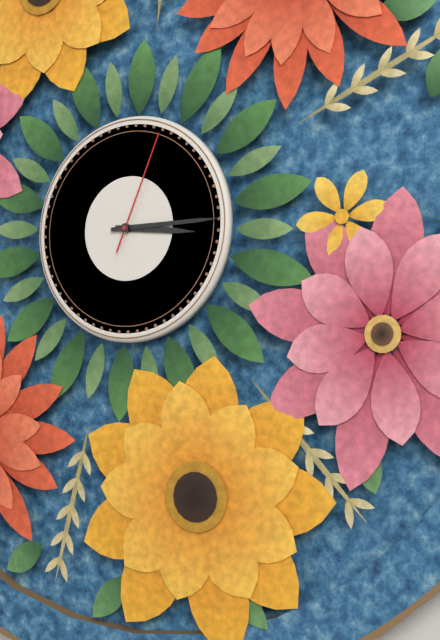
3:15:04
